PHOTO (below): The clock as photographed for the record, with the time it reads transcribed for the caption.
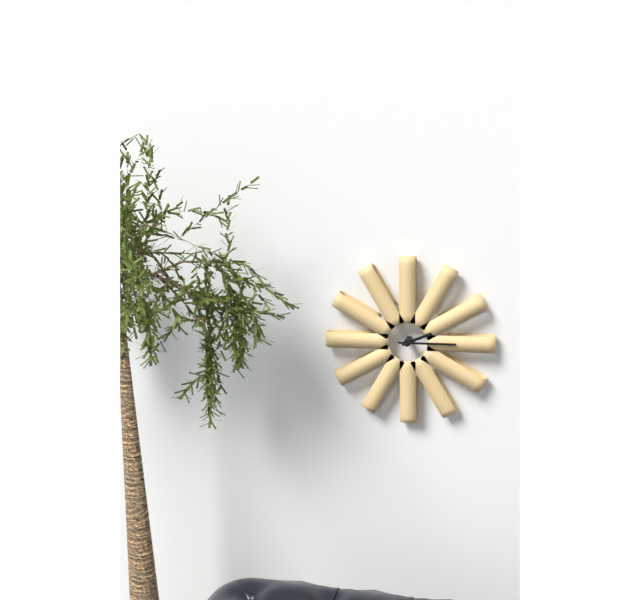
2:15
